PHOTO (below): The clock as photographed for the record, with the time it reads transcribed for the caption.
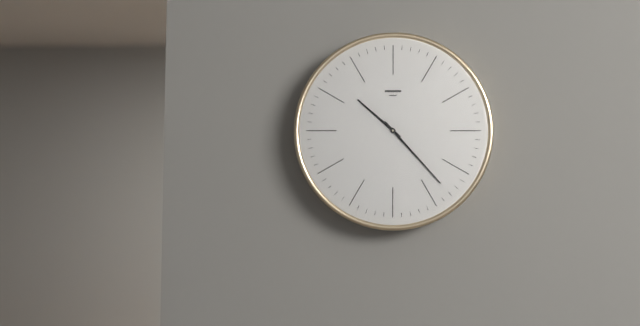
10:23
